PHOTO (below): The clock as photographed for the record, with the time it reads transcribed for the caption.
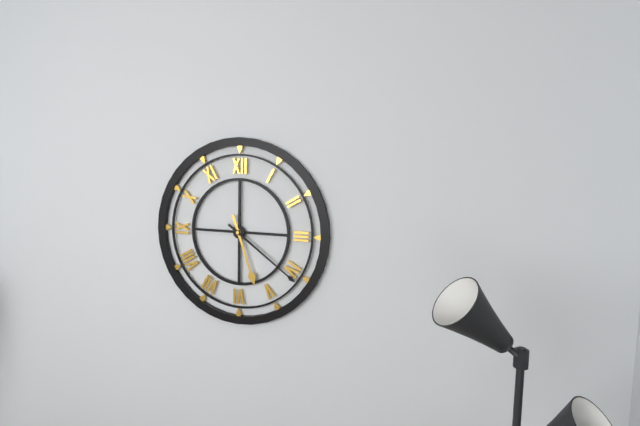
5:21
